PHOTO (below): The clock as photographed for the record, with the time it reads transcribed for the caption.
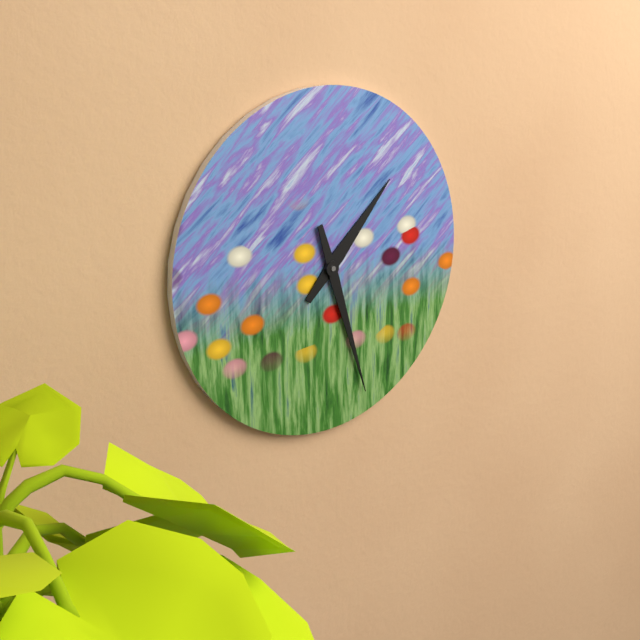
1:27
